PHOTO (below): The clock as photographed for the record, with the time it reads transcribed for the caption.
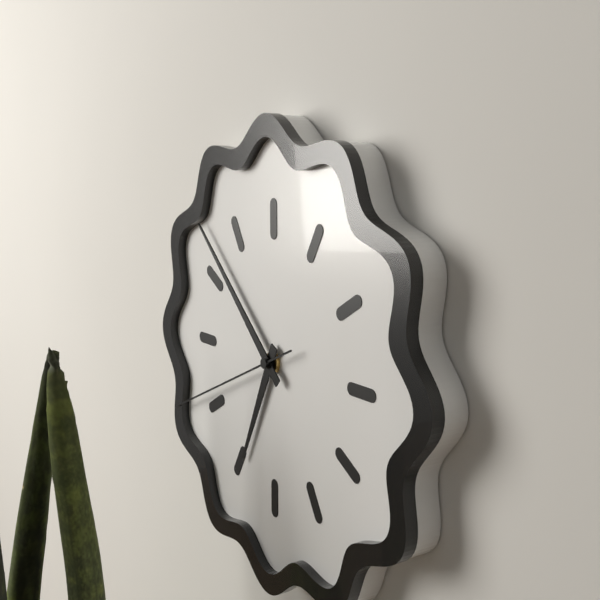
6:52:41
